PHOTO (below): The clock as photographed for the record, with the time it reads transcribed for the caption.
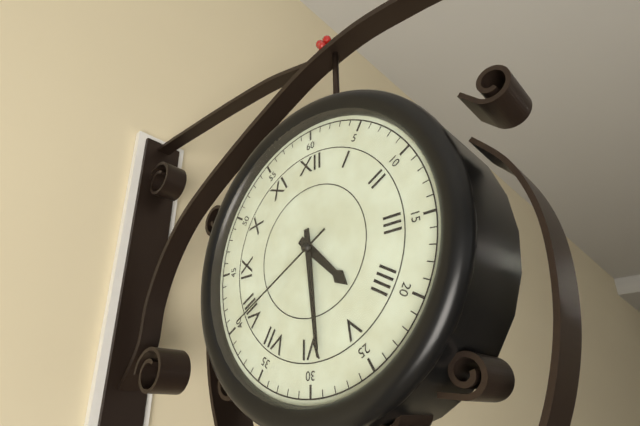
4:29:40
